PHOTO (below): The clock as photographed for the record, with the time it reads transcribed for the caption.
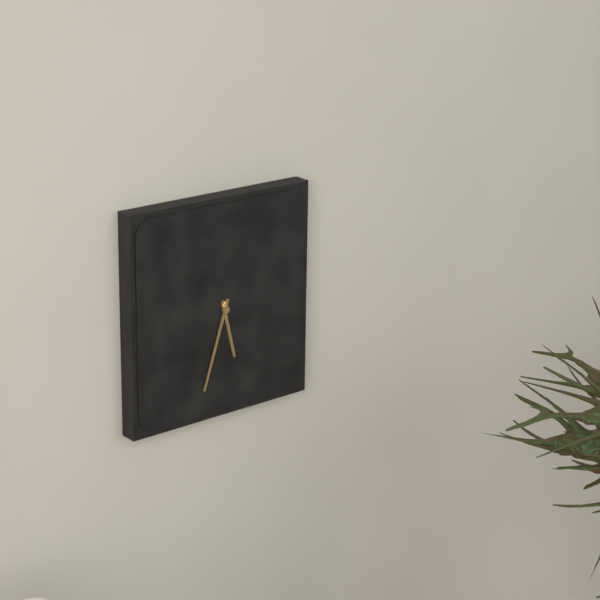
5:33
